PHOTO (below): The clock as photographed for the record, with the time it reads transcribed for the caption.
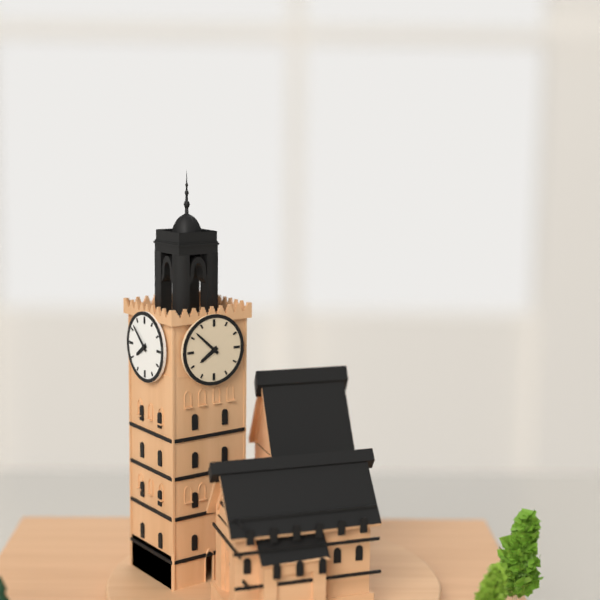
7:52
